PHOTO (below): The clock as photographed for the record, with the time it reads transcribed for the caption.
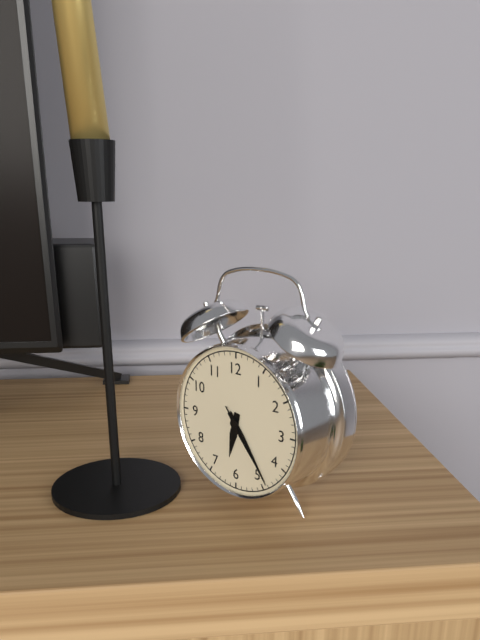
6:24:24
